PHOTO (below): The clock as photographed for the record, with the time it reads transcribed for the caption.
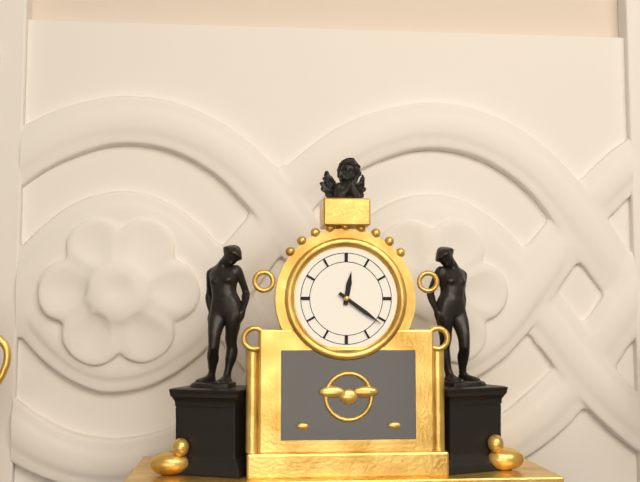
12:21
